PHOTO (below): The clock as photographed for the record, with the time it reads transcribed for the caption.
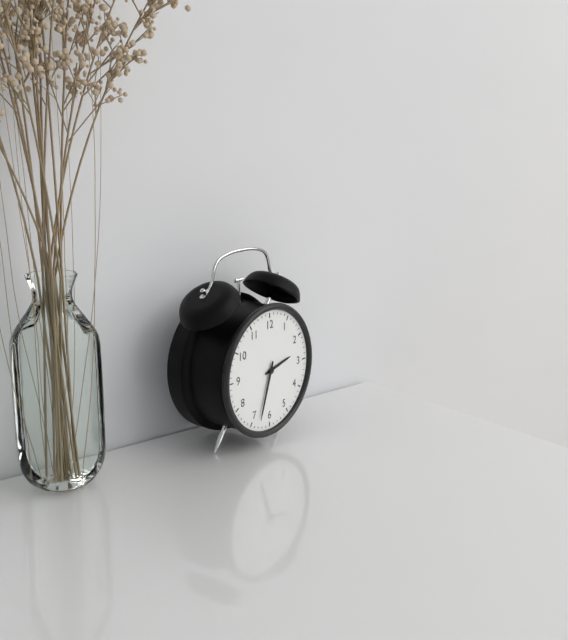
2:33
